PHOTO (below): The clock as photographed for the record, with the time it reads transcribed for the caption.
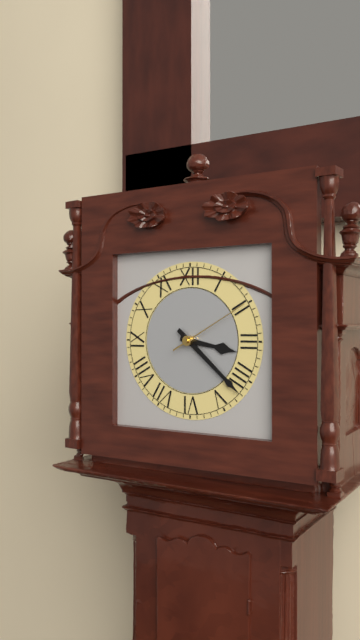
3:22:10
